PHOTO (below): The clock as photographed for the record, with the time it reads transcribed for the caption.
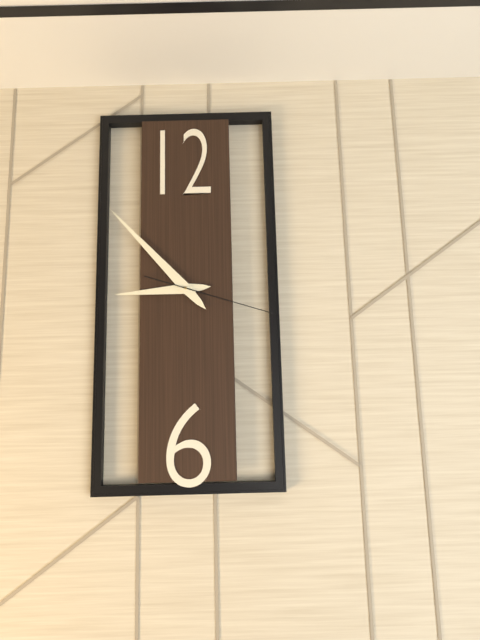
8:53:18
